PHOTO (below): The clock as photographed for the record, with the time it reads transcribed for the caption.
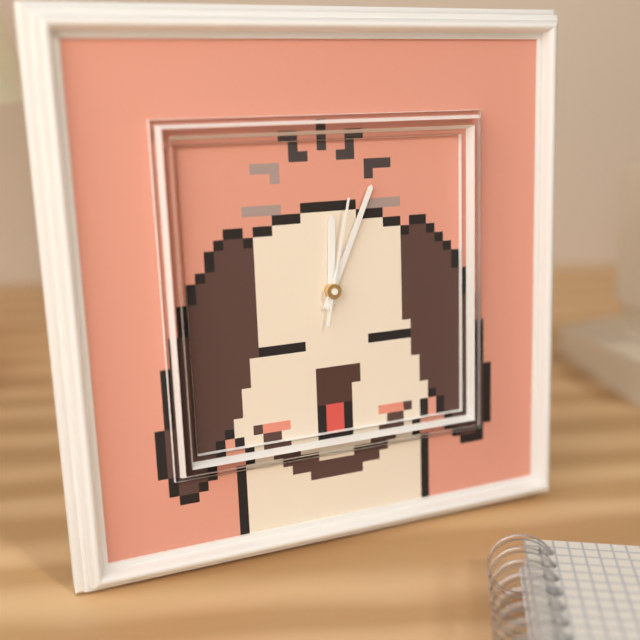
12:04:02
